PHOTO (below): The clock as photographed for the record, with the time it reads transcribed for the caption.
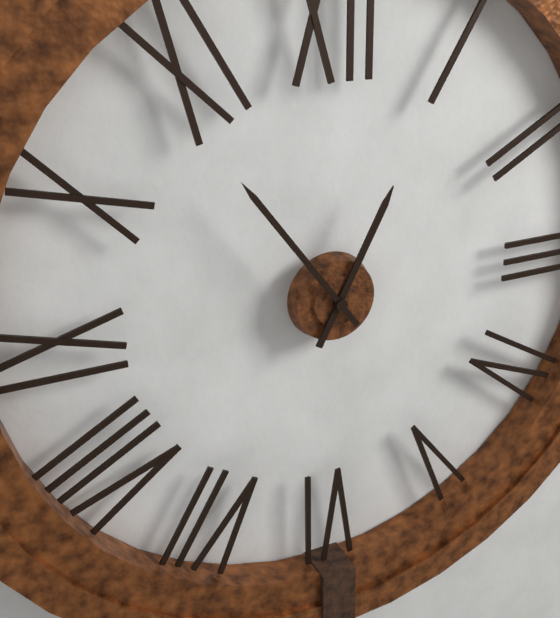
12:54
